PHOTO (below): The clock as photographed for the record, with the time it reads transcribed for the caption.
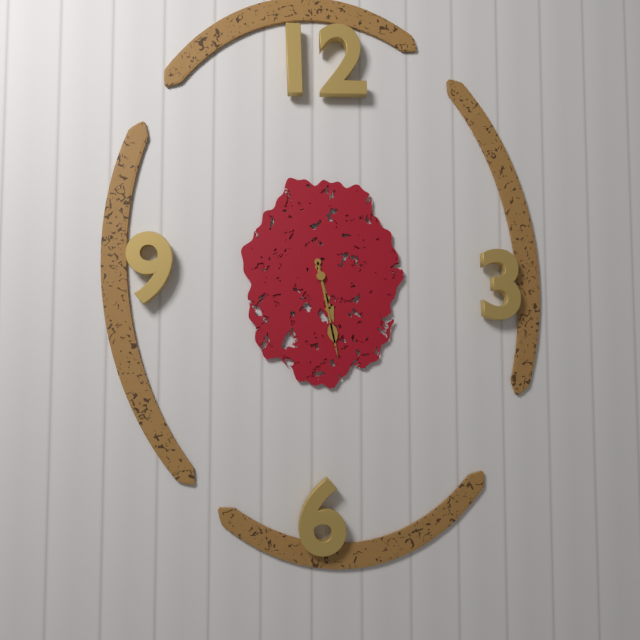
5:28
